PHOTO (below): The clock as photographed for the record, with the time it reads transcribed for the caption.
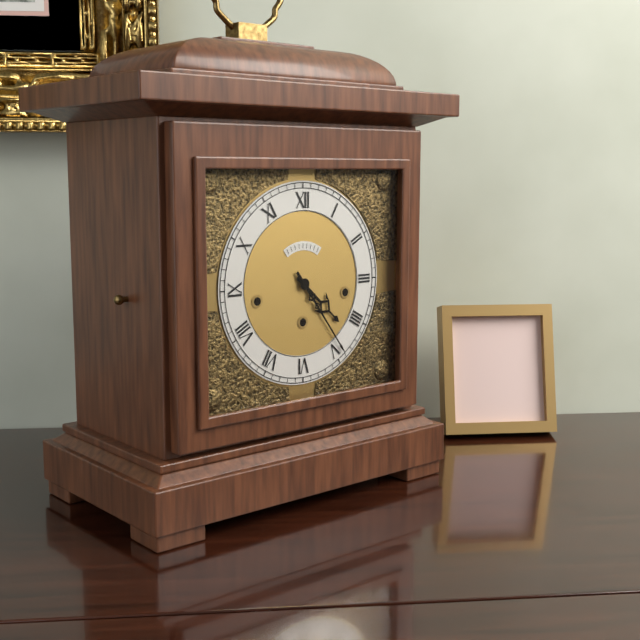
4:24
